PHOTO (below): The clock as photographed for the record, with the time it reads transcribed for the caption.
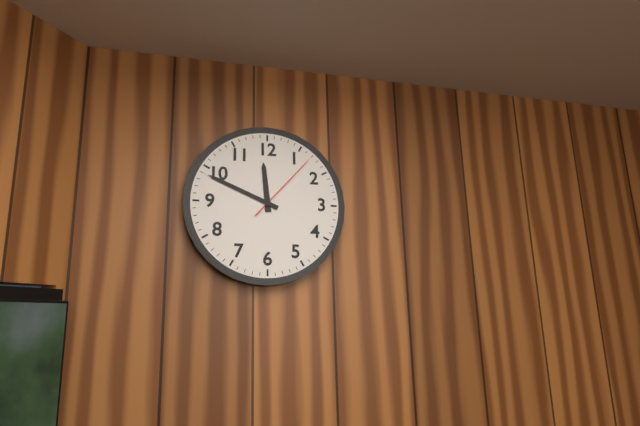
11:49:07
